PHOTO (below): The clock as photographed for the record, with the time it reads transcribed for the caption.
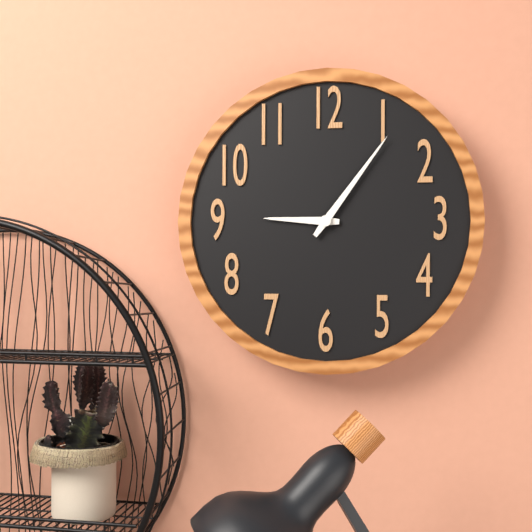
9:06
